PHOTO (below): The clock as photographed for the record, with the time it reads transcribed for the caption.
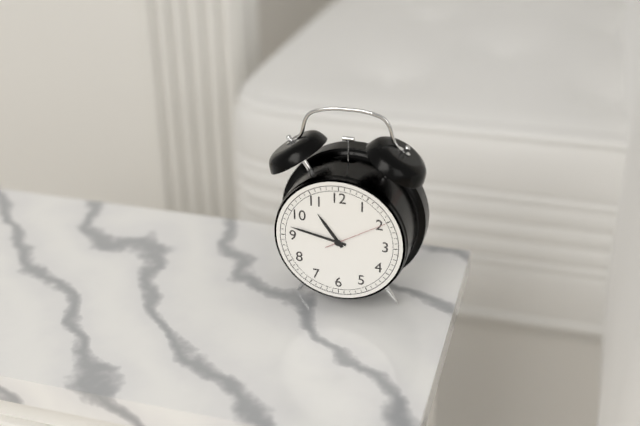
10:47:10
